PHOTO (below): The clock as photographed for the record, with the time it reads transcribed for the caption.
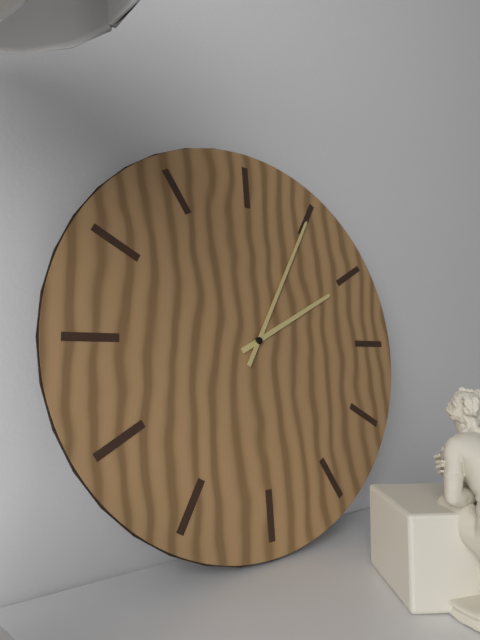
2:05
